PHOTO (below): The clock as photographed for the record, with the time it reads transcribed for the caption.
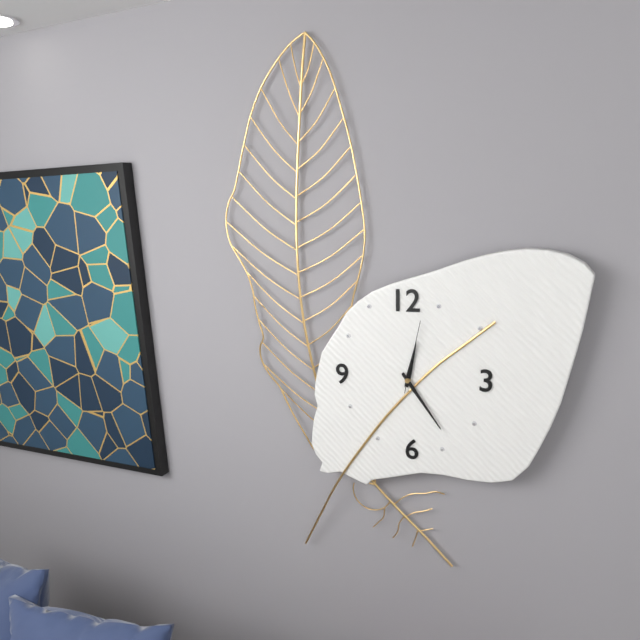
12:24:02
